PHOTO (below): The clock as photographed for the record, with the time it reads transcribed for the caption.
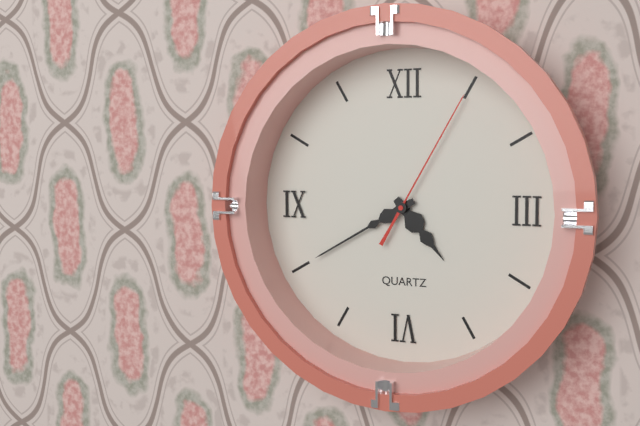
4:40:05
